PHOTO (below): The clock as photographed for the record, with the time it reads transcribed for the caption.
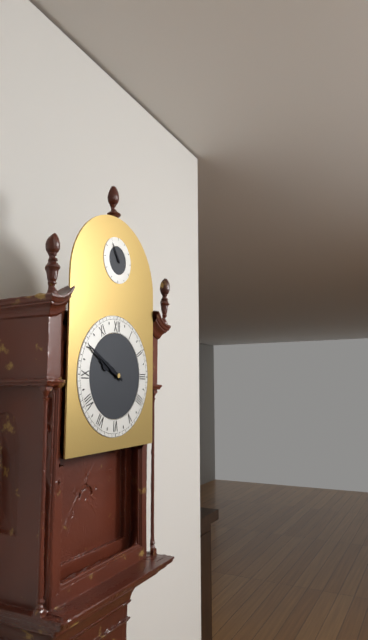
9:50
